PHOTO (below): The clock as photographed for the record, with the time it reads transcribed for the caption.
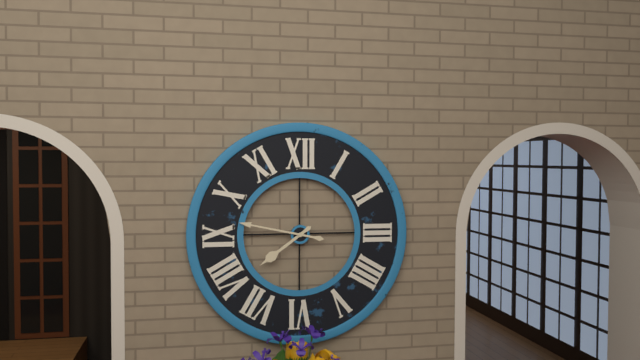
7:47
